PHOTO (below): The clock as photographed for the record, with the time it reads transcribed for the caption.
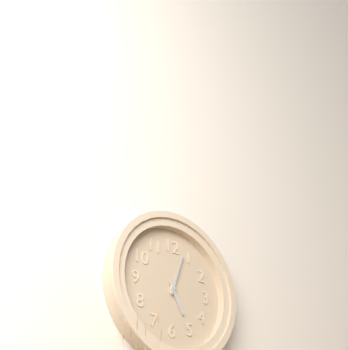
5:03
